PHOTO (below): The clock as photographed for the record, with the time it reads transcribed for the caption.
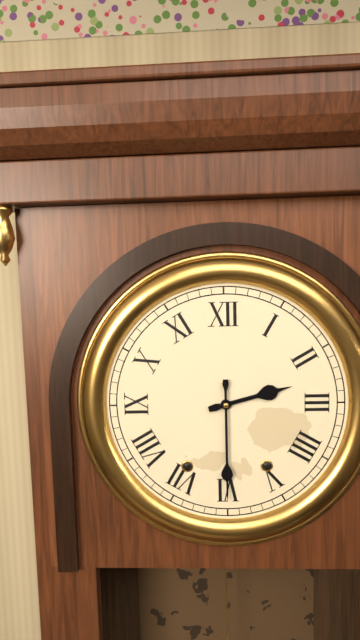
2:30
